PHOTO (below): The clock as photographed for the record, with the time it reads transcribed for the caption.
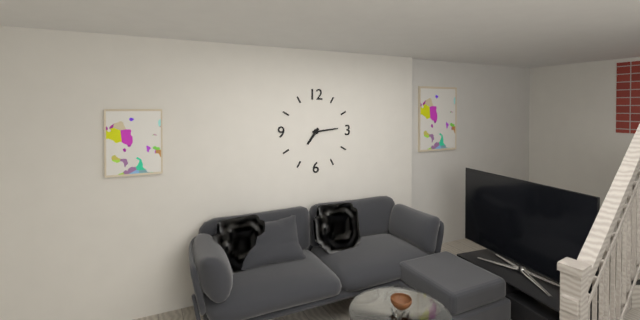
7:14
